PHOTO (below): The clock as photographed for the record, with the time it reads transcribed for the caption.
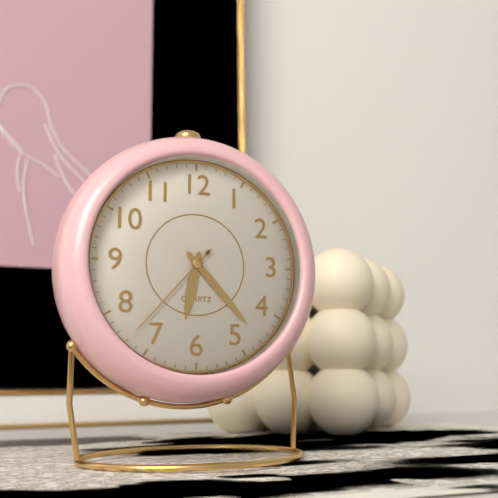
6:23:37
